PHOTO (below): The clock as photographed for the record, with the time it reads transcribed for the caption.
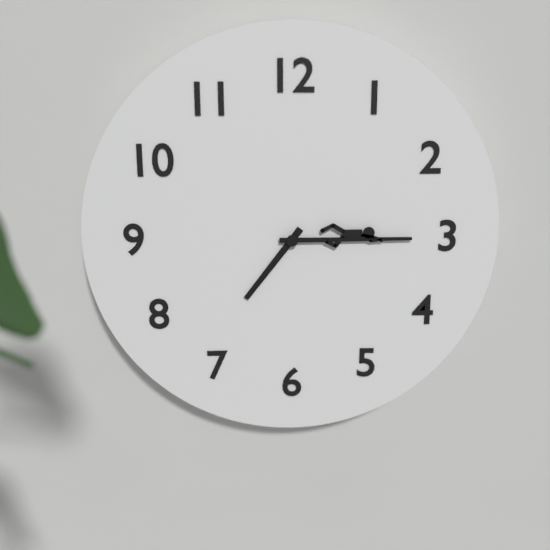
7:15
